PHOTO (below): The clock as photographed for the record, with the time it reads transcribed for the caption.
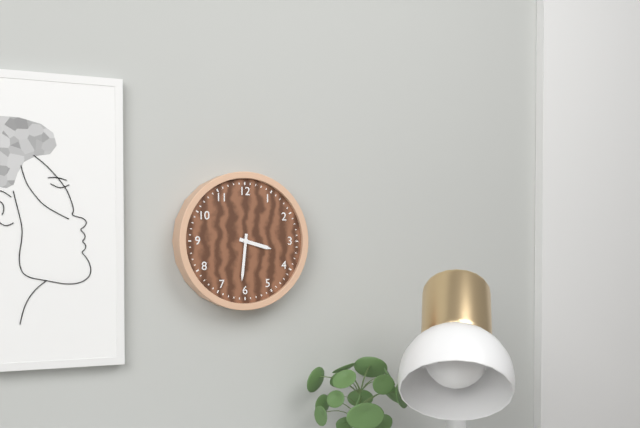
3:31
